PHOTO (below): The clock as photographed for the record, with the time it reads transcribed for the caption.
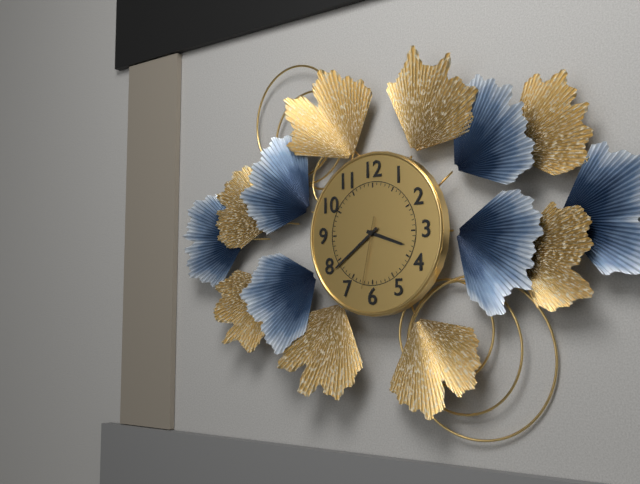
3:39:32
